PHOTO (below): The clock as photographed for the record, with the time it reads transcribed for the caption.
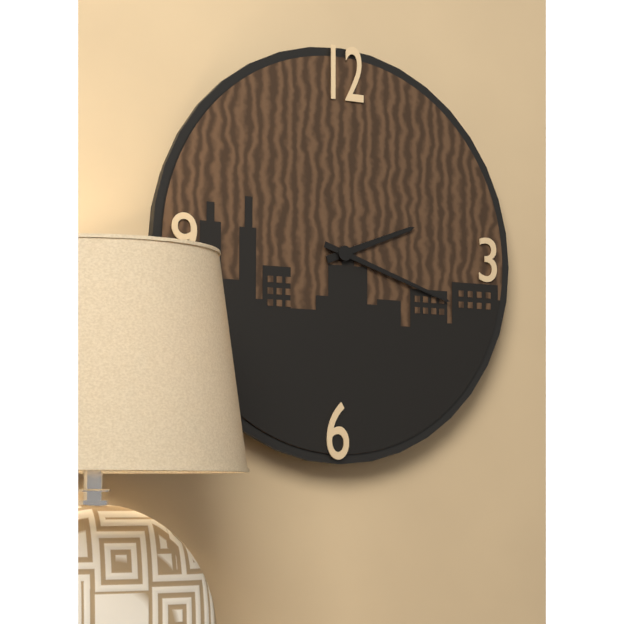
2:18
